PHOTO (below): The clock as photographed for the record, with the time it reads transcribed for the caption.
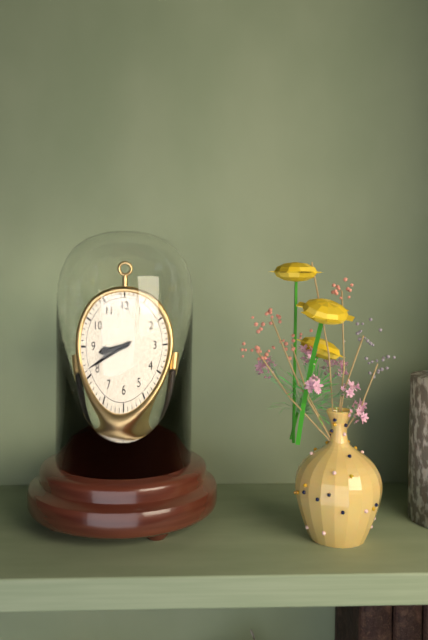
8:41
